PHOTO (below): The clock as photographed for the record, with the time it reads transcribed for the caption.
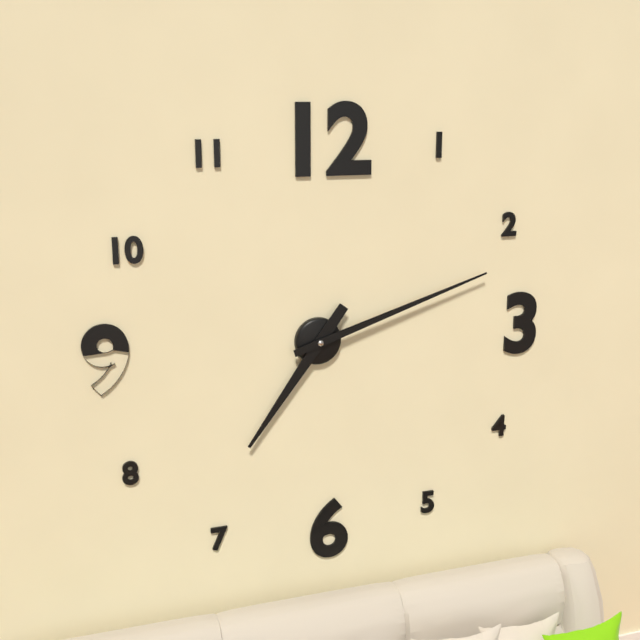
7:12
